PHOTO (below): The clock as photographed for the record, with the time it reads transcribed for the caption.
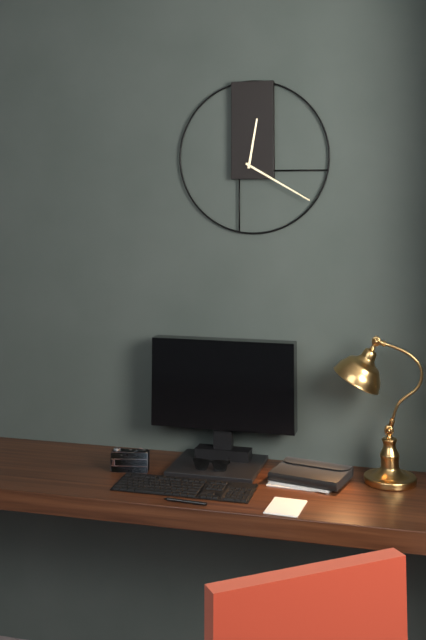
12:20
